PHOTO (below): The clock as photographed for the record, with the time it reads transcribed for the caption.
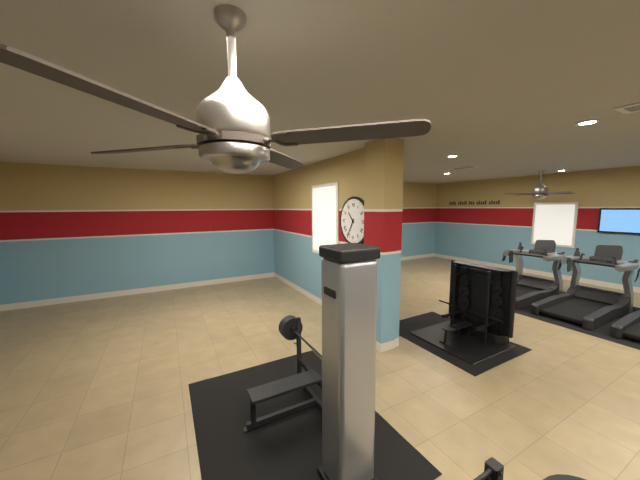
10:35
